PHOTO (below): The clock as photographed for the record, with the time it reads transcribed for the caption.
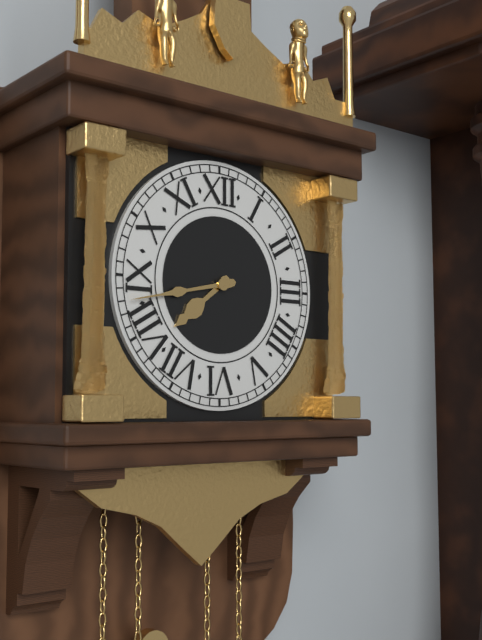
7:43
